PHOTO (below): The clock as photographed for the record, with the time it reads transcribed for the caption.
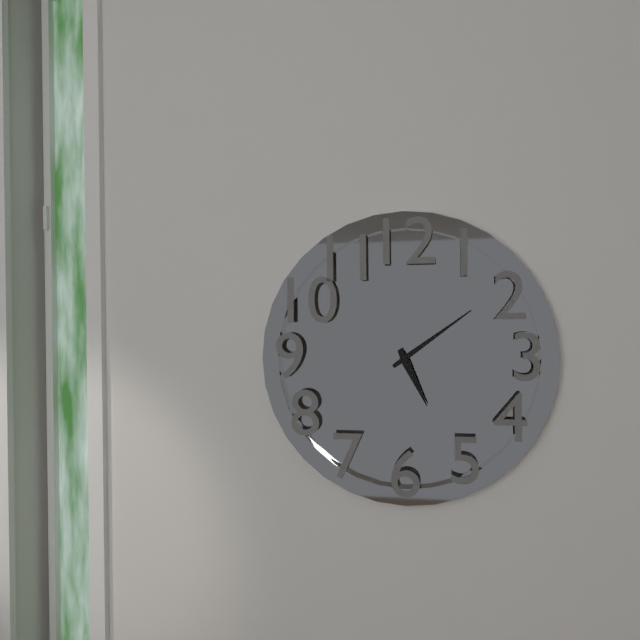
5:09
